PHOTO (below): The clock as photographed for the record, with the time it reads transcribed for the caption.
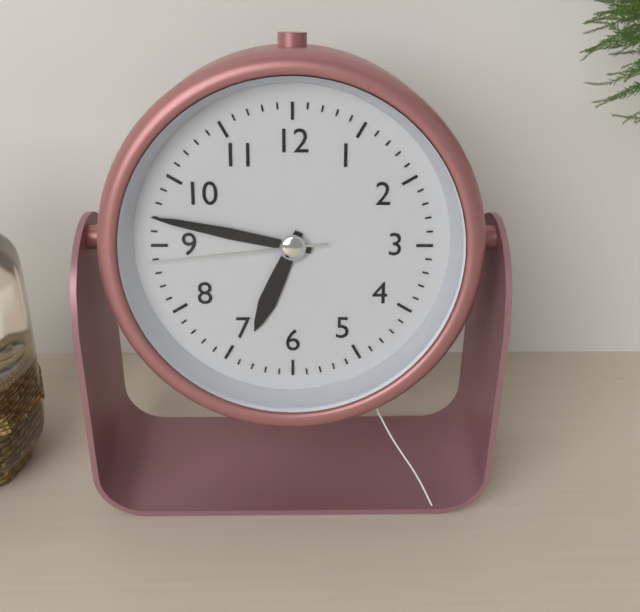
6:47:44
